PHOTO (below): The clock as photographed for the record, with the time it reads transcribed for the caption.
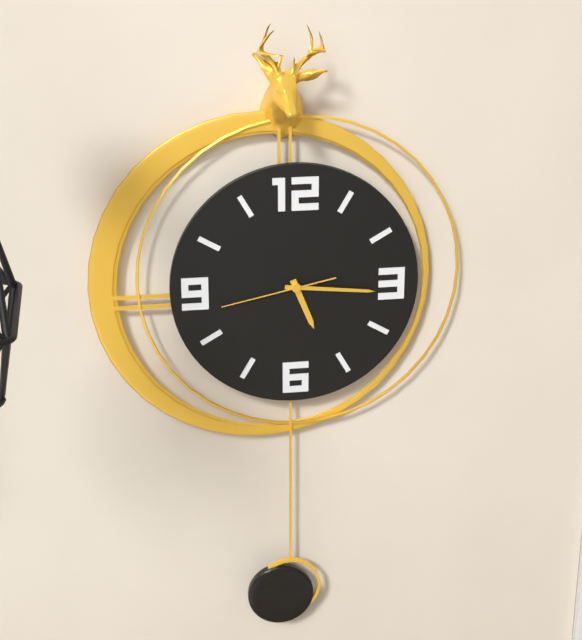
5:16:43
